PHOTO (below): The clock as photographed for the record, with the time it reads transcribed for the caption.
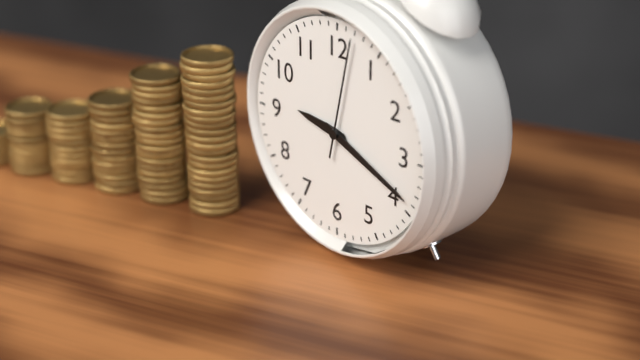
9:19:02
